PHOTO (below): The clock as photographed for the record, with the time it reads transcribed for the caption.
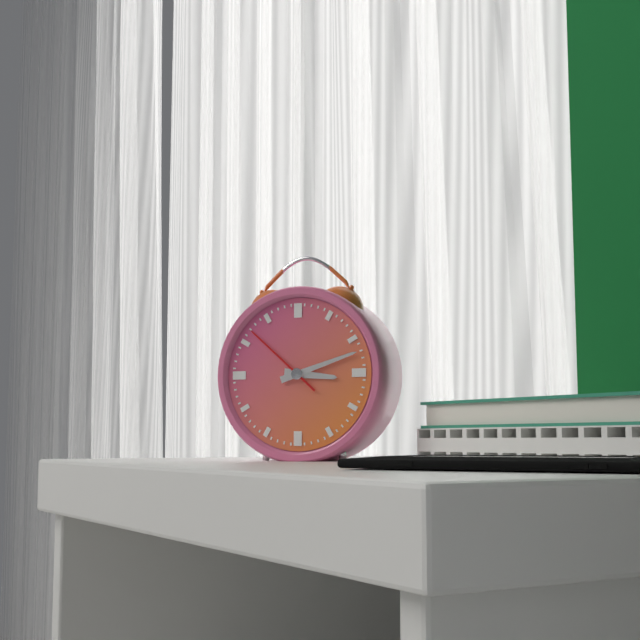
3:12:52
